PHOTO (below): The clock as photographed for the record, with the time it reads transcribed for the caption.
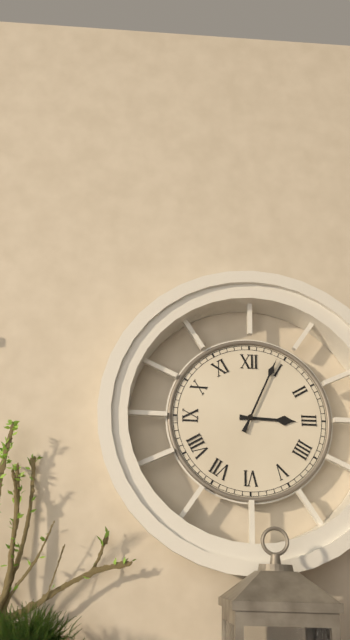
3:04
